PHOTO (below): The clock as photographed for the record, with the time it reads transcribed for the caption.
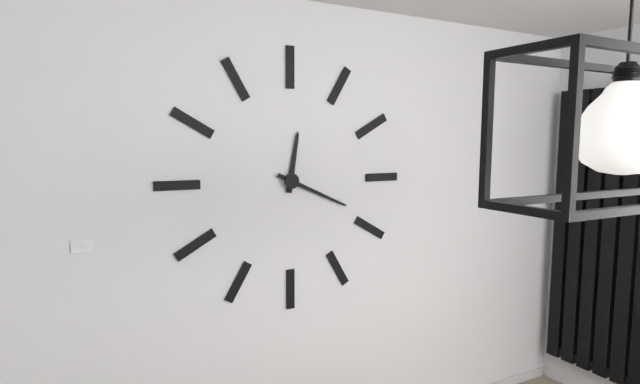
12:19
